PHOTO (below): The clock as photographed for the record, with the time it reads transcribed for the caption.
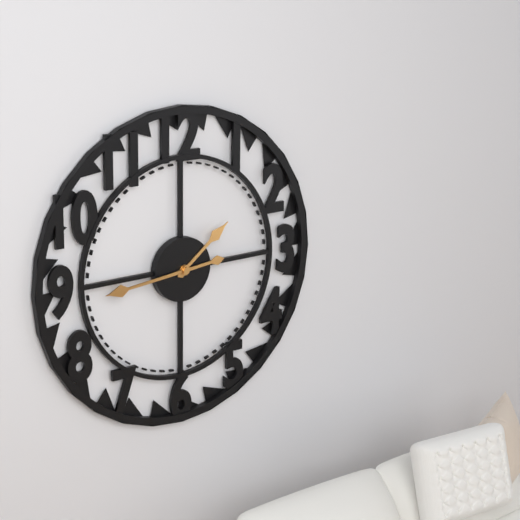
1:44
